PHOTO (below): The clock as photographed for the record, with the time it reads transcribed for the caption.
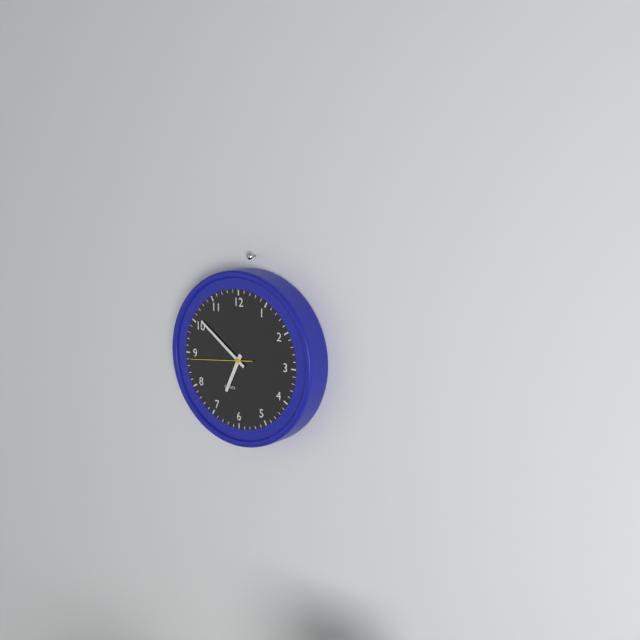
6:51:44
